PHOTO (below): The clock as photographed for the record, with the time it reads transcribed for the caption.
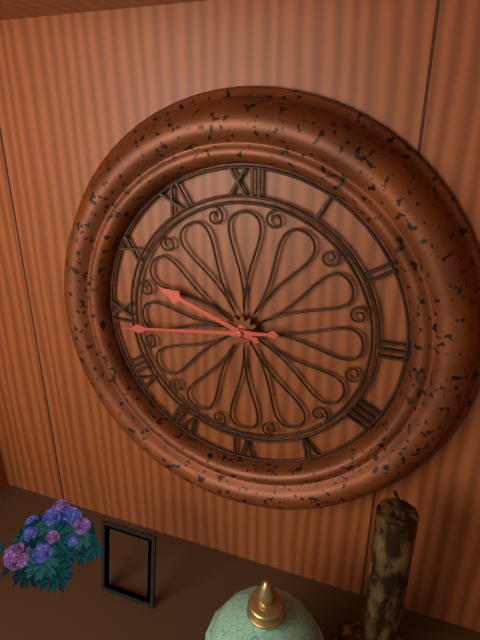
9:44
